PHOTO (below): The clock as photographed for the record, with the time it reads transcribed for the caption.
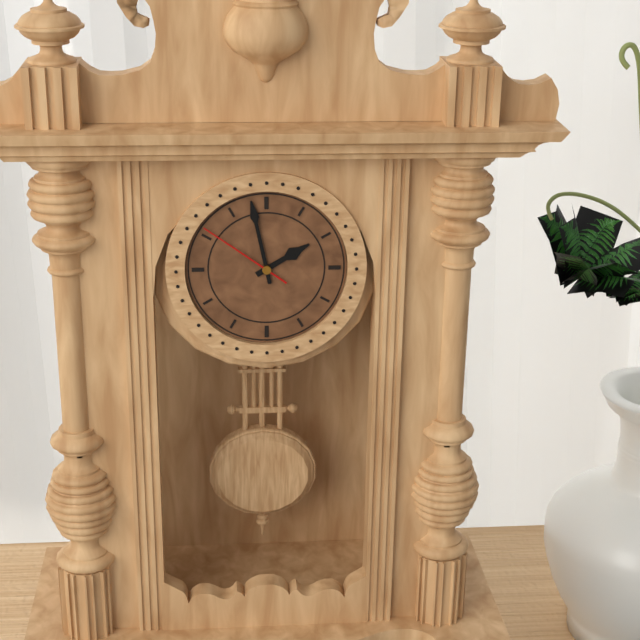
1:58:51
